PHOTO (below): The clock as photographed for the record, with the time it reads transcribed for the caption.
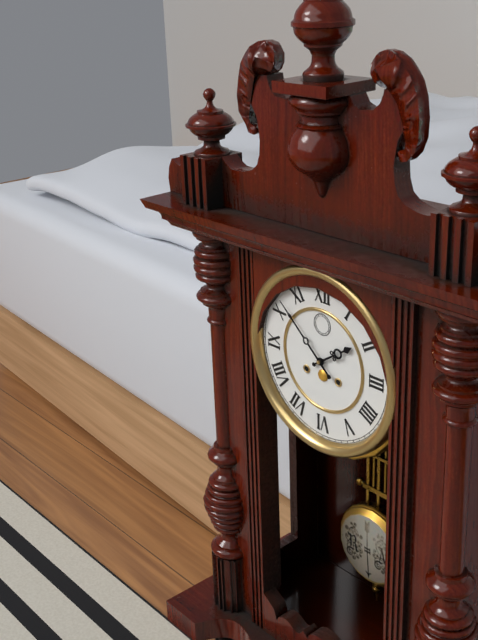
1:52
